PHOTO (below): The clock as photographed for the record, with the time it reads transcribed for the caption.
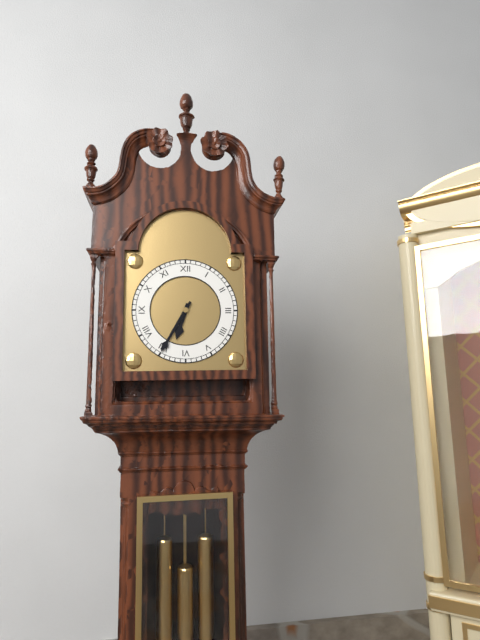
6:35
